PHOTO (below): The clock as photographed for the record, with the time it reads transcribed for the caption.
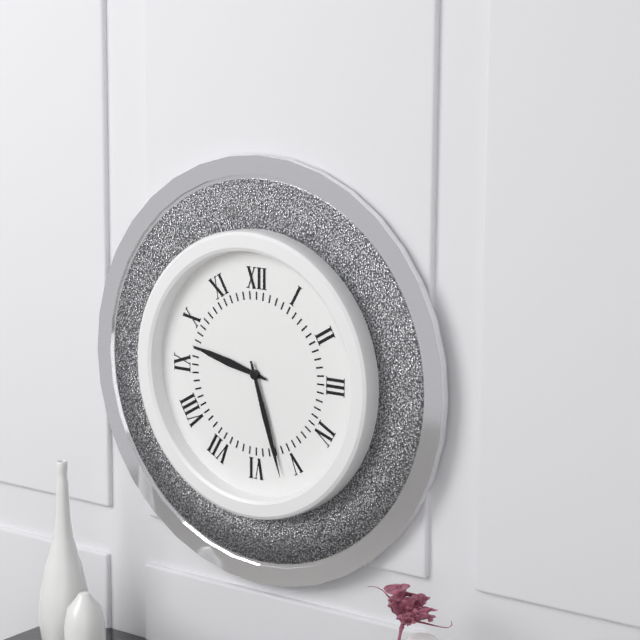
9:27
